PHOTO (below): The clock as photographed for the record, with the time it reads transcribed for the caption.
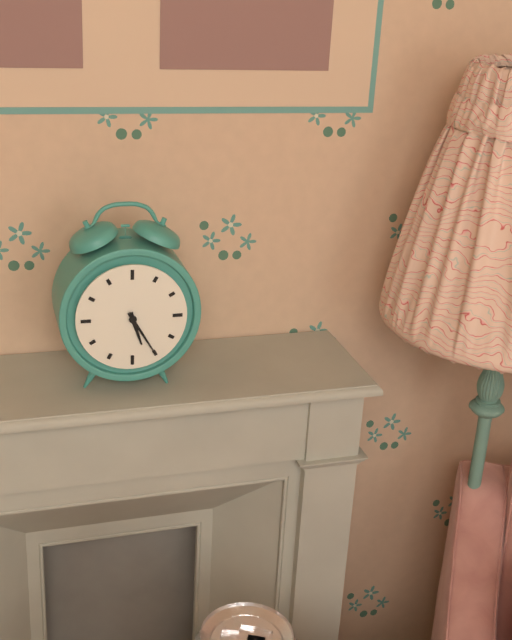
5:25
